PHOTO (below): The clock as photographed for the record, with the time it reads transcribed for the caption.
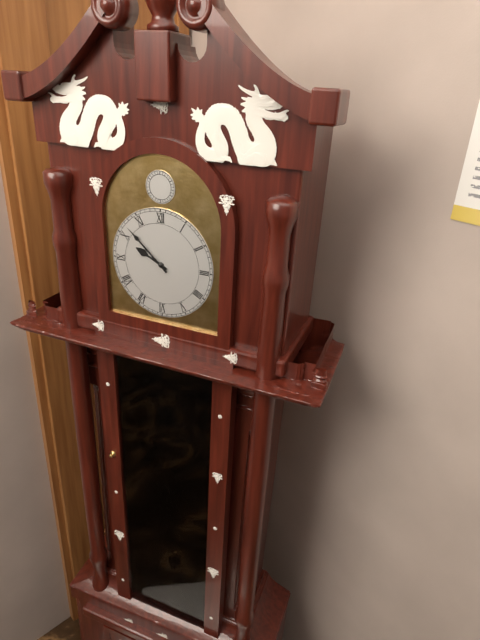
9:52
